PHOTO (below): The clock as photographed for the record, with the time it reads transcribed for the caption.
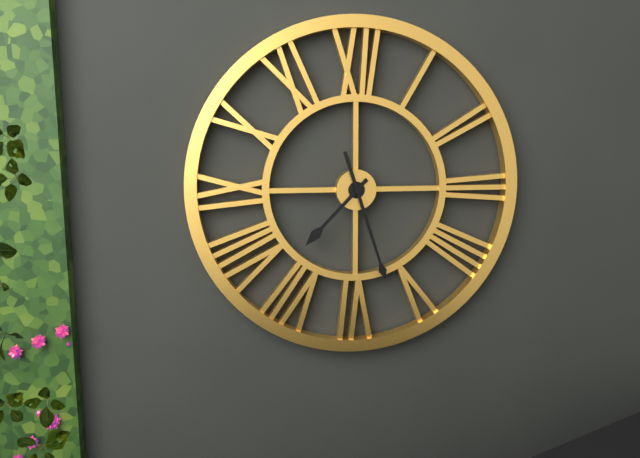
7:27
